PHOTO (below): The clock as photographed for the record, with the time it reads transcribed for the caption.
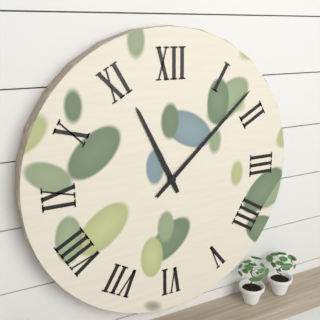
11:08
